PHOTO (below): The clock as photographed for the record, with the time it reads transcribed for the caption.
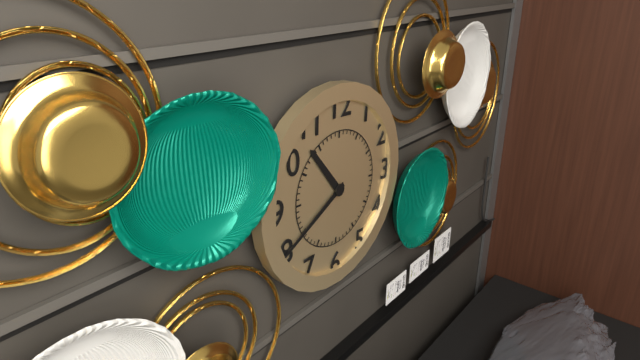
10:40
